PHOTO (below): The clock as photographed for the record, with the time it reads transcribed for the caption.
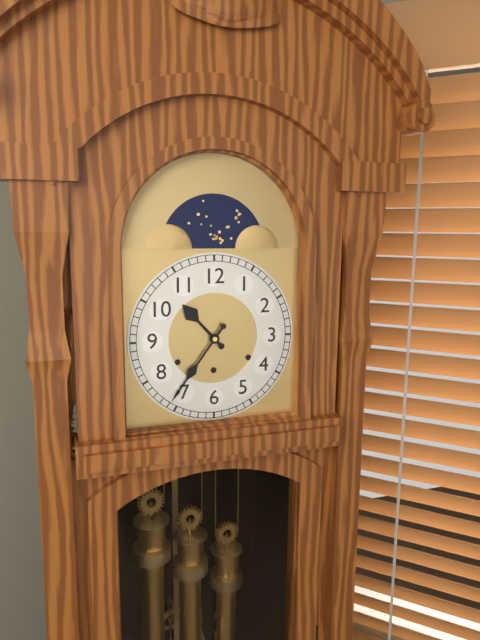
10:36
